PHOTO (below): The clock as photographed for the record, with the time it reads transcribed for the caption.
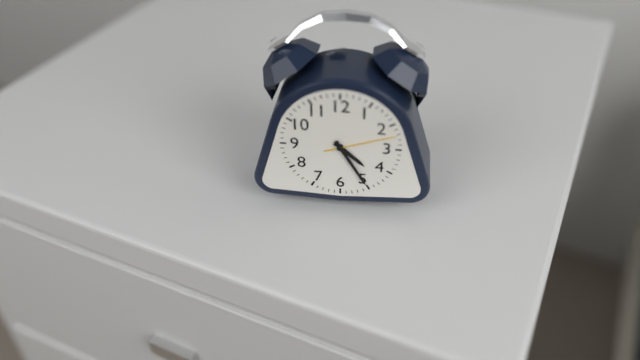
4:25:12
